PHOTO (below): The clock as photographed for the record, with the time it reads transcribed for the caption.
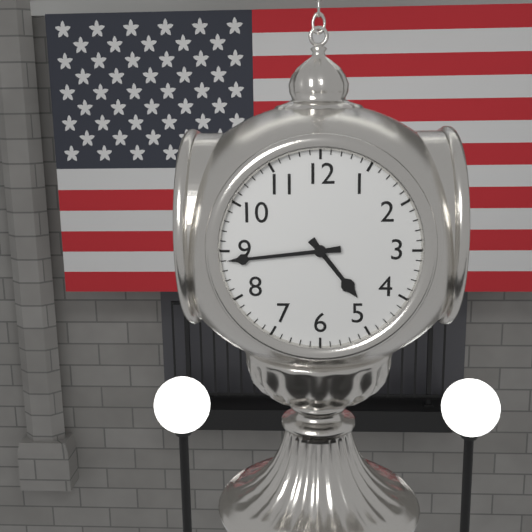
4:44
